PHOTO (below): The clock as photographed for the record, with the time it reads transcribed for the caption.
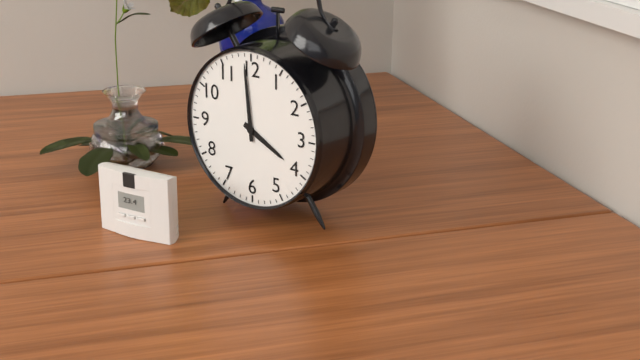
3:59
